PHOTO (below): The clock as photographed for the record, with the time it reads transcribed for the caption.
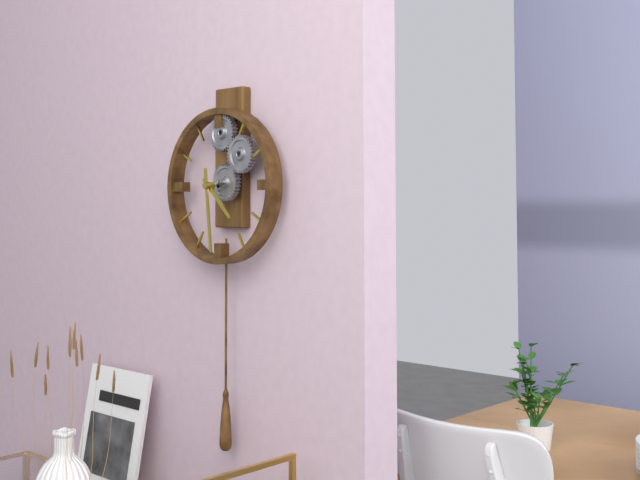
4:29
